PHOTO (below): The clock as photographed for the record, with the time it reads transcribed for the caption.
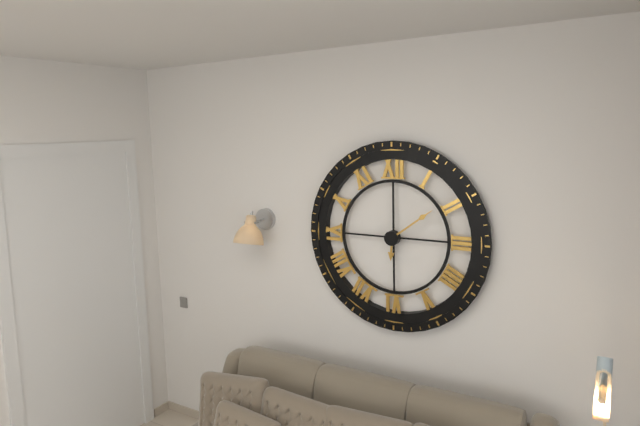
6:09
